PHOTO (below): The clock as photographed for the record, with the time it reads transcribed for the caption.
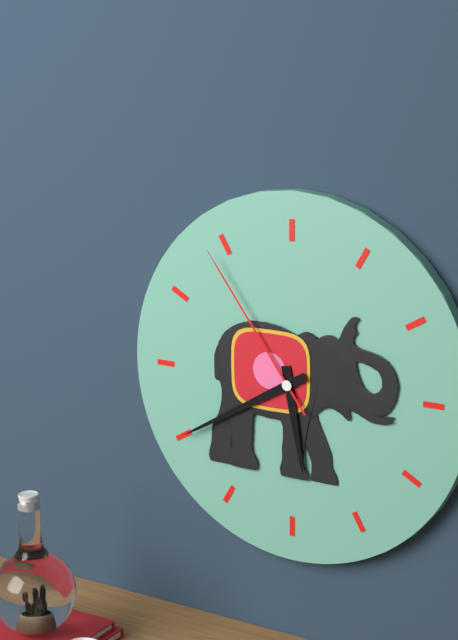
5:40:54
